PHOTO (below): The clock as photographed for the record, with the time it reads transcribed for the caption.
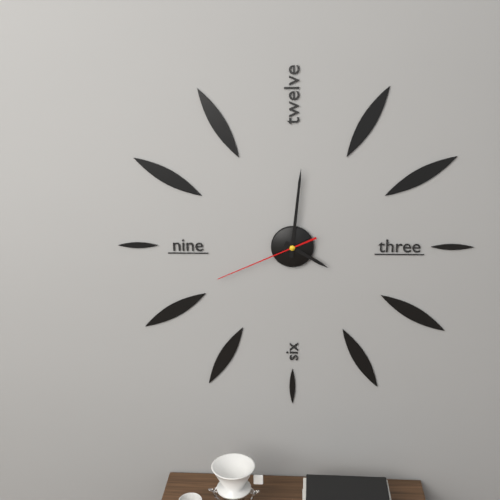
4:01:41
